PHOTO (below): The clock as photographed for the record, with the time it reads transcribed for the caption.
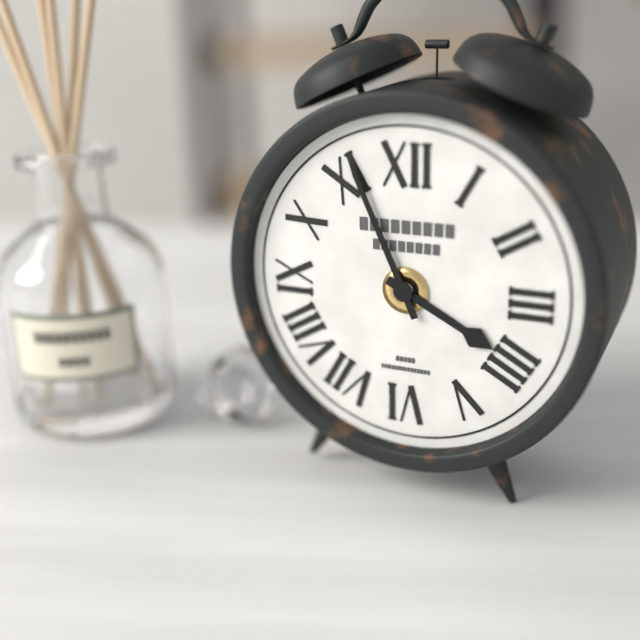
3:56
